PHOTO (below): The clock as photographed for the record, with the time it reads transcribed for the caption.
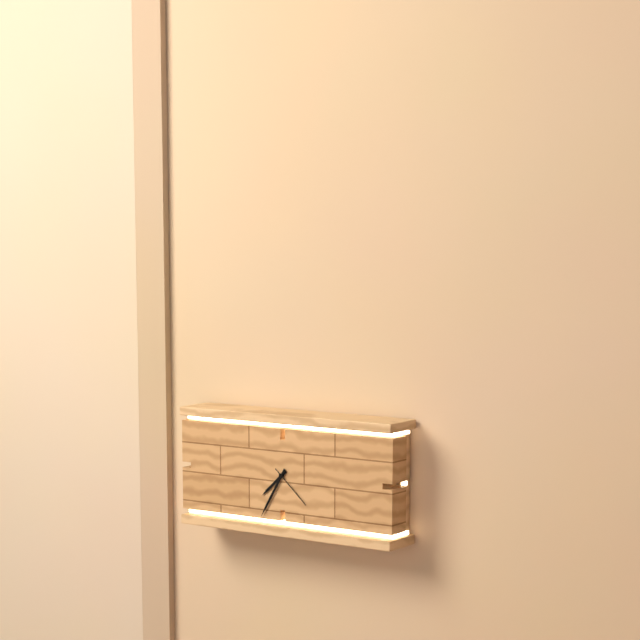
7:35
